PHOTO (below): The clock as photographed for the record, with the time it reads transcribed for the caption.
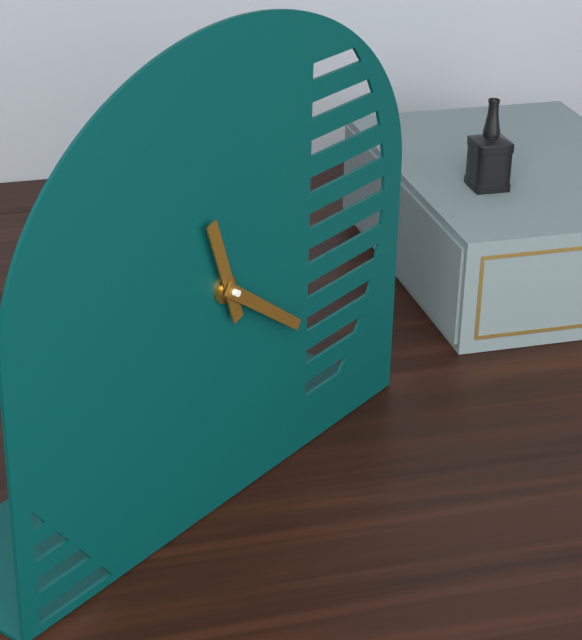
11:21
